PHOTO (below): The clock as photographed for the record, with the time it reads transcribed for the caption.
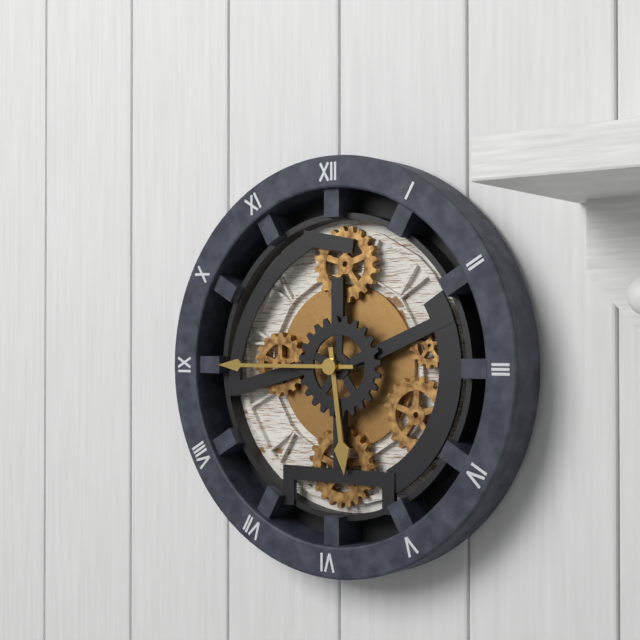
5:45
